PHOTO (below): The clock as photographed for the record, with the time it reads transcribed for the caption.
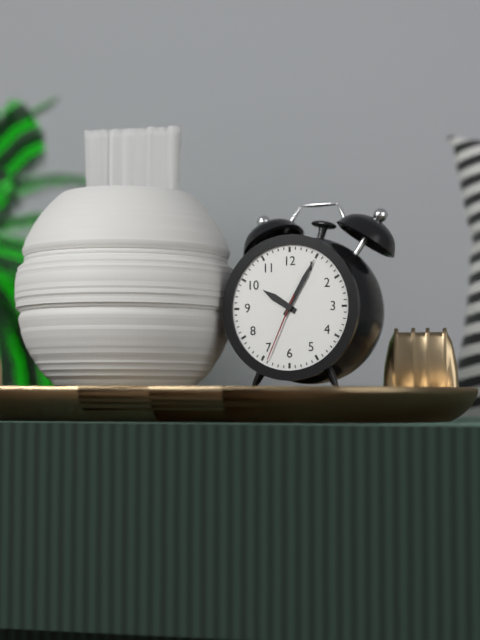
10:05:34
